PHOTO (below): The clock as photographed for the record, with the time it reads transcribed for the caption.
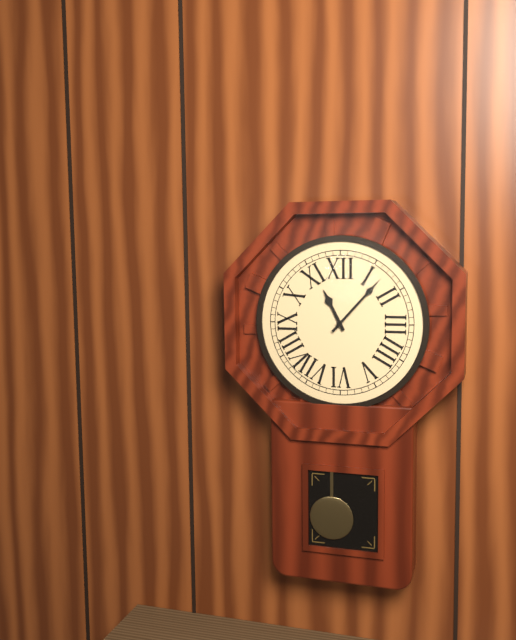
11:07
